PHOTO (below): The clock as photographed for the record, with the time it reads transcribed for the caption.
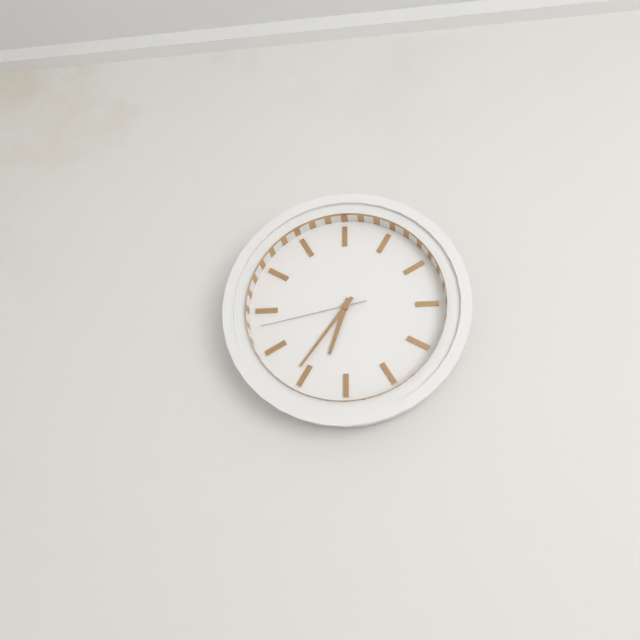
6:36:43
